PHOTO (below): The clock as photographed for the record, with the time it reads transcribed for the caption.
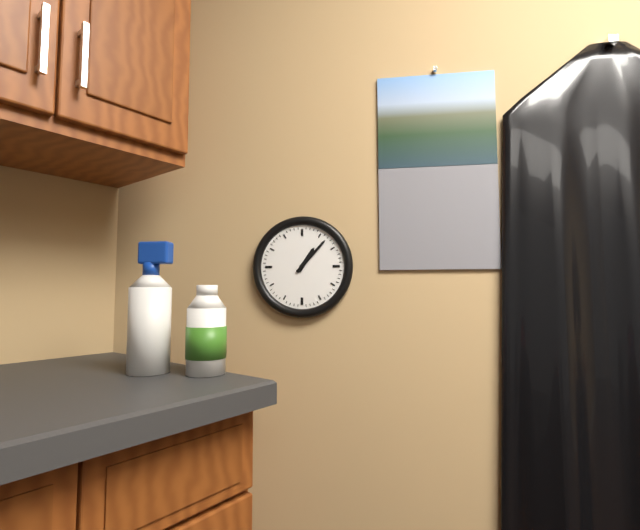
1:07
